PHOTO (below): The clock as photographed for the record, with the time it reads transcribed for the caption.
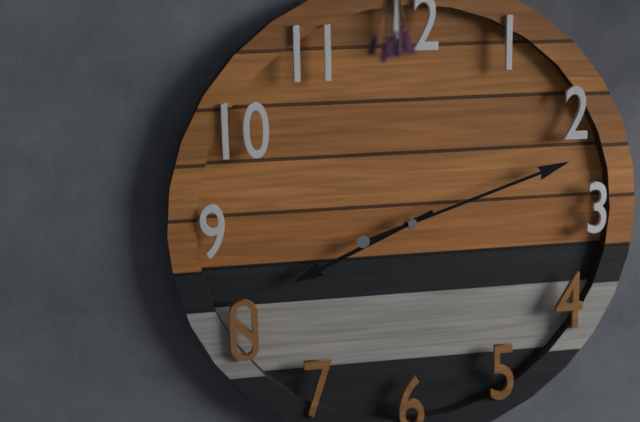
8:12
